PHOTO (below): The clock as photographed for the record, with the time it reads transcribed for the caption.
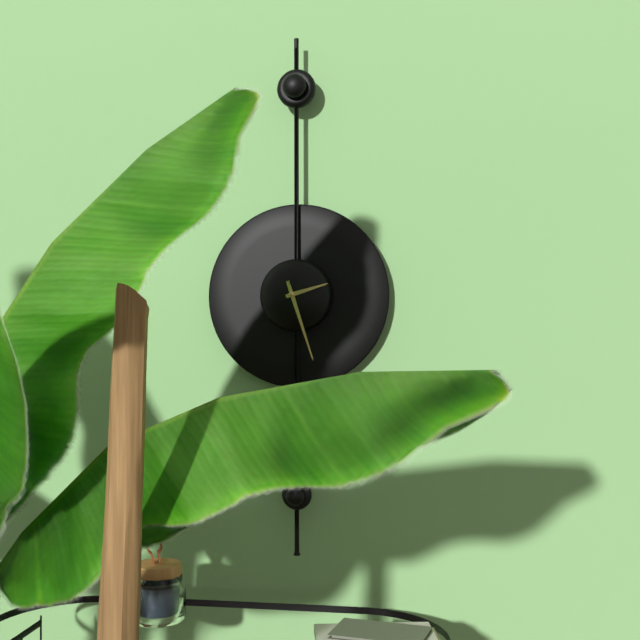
2:27
